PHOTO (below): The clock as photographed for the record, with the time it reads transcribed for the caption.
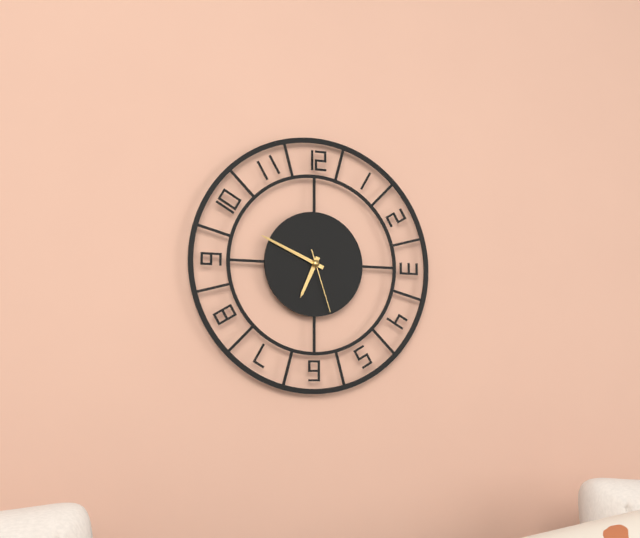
6:49:27
